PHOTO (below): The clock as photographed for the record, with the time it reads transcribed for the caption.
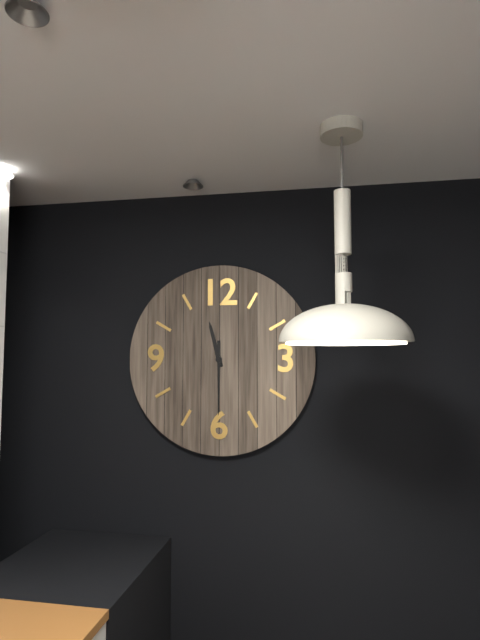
11:30
